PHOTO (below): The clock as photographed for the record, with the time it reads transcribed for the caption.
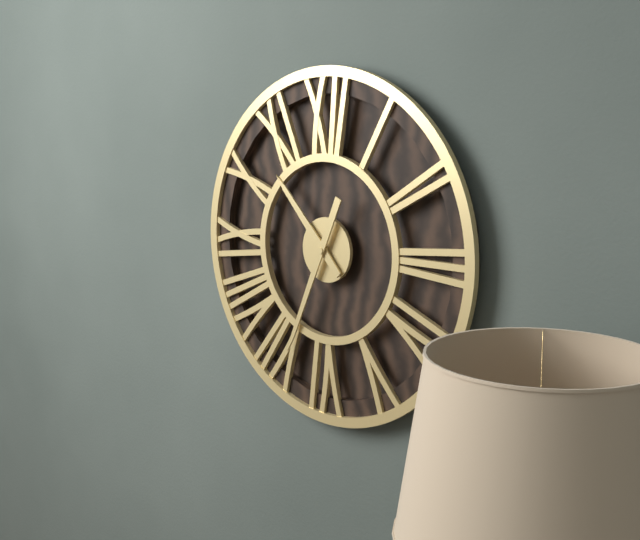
10:34
